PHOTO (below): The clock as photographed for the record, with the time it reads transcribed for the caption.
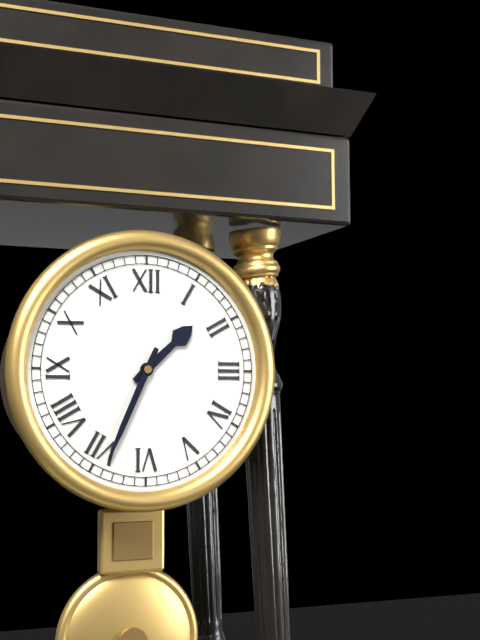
1:34
